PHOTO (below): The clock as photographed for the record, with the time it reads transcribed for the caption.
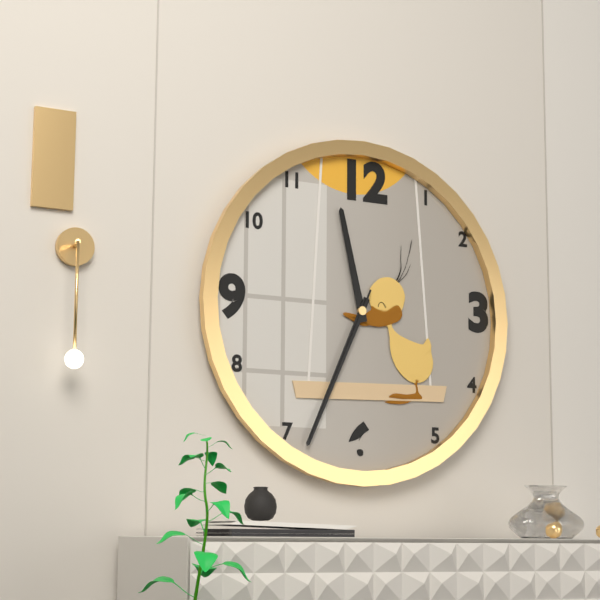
11:34:34
